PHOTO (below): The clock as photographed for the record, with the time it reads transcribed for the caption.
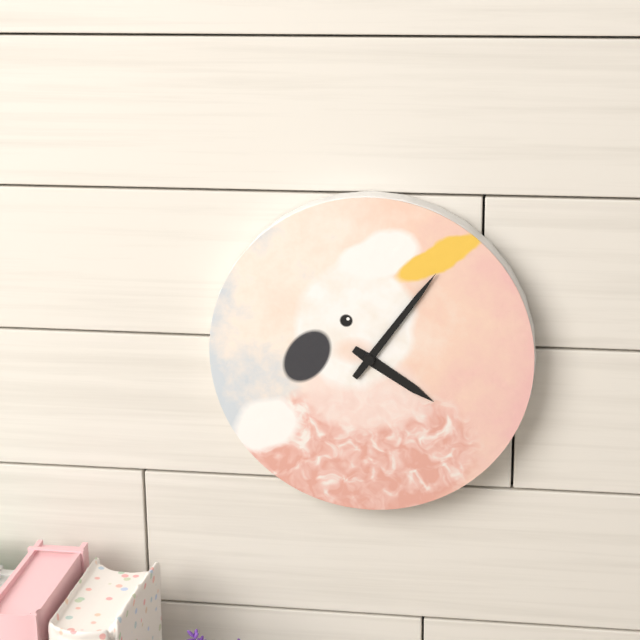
4:06
